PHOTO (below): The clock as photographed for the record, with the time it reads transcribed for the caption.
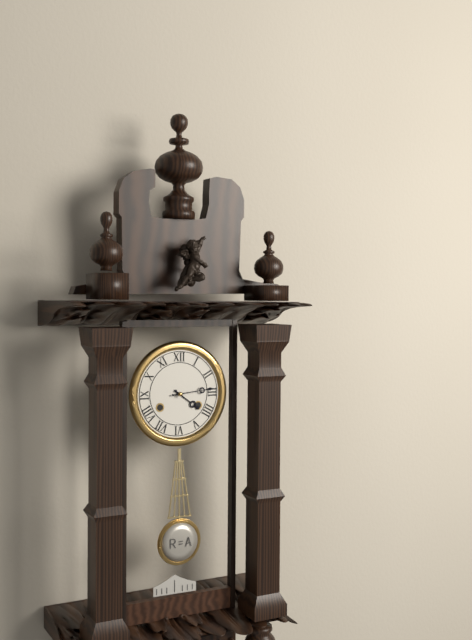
4:14
